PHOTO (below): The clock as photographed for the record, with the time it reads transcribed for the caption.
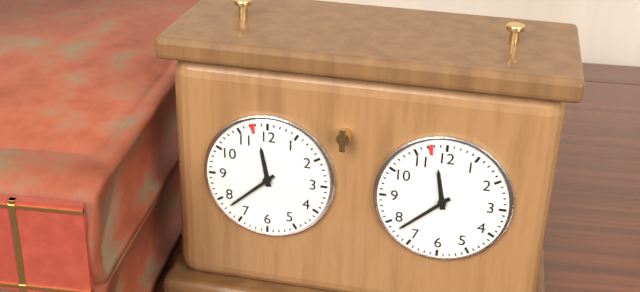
11:38
